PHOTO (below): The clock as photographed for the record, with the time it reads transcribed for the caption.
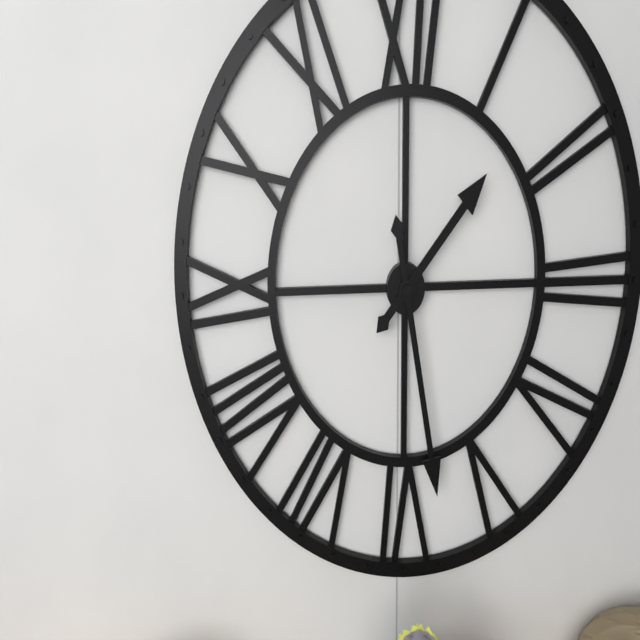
1:28
